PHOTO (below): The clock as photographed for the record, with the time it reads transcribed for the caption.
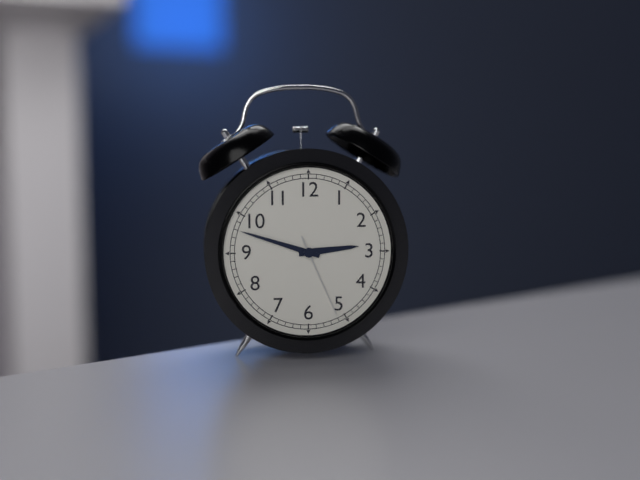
2:48:26
